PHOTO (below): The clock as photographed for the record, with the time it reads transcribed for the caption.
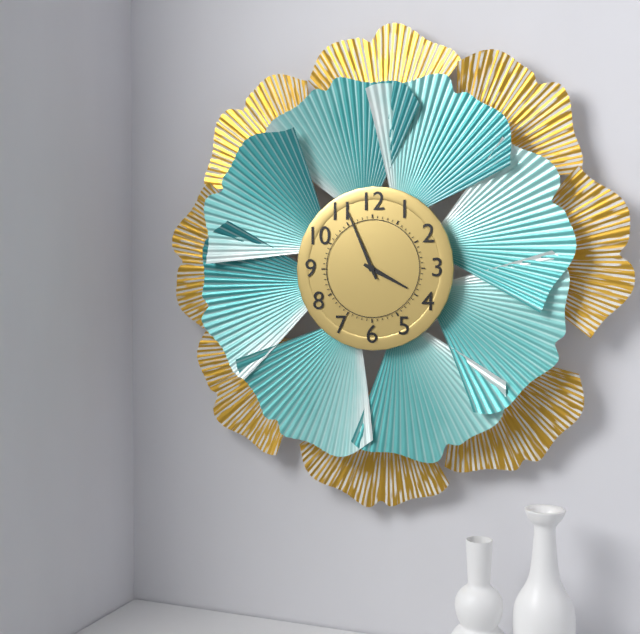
3:56
